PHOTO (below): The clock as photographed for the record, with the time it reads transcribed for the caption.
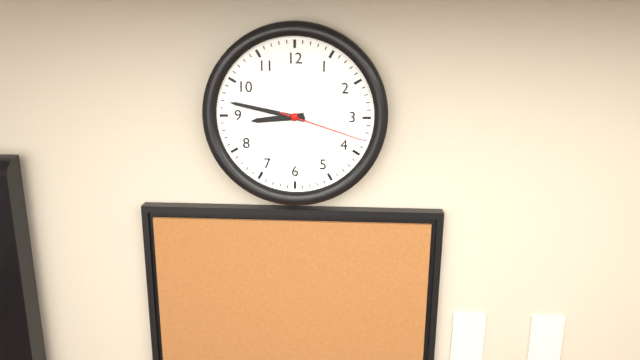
8:47:18
